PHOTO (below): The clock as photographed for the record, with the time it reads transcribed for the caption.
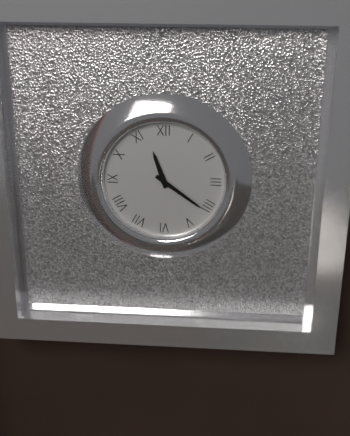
11:21
